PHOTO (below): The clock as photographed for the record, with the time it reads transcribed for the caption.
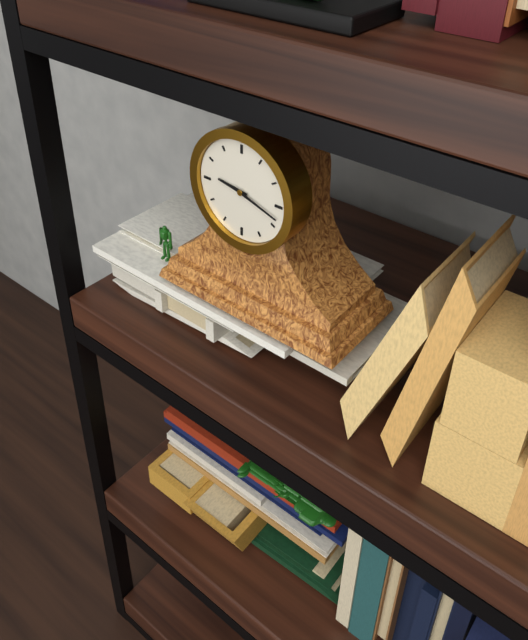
9:18
